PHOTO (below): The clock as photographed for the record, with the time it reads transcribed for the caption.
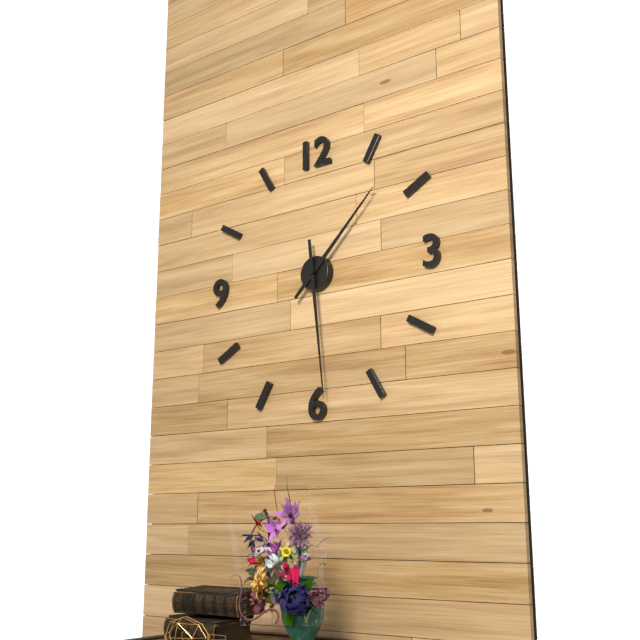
1:29
